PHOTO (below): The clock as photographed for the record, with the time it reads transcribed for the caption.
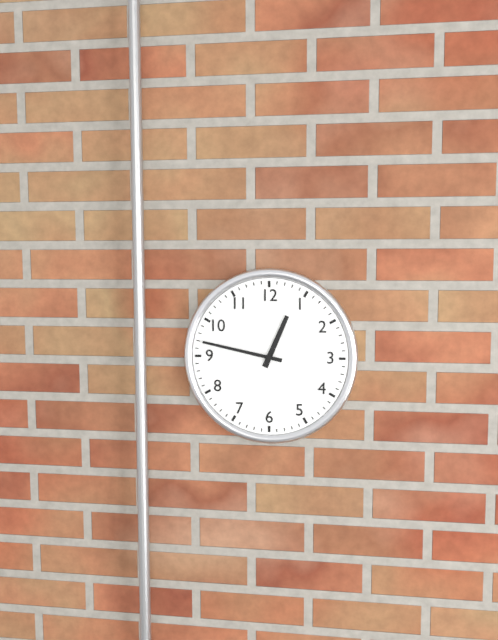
12:47
